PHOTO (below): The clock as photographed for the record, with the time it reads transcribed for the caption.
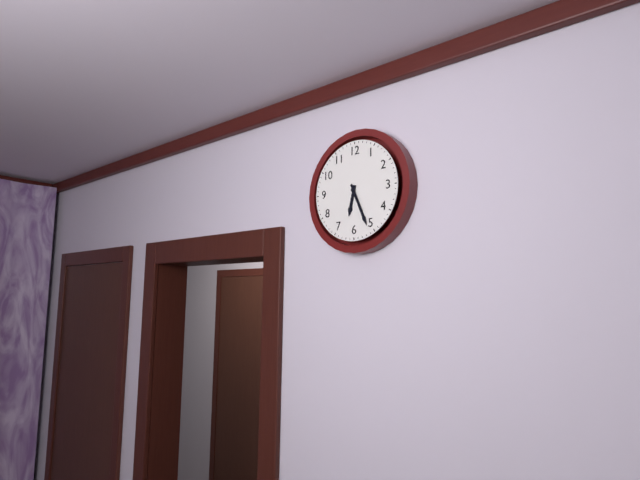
6:26
